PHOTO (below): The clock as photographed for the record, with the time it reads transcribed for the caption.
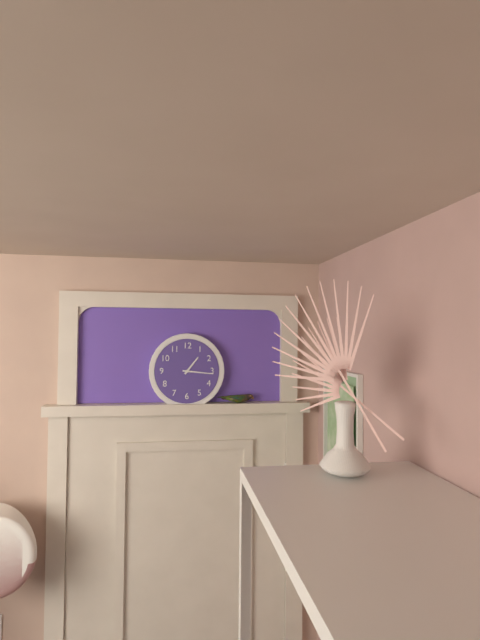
1:16
